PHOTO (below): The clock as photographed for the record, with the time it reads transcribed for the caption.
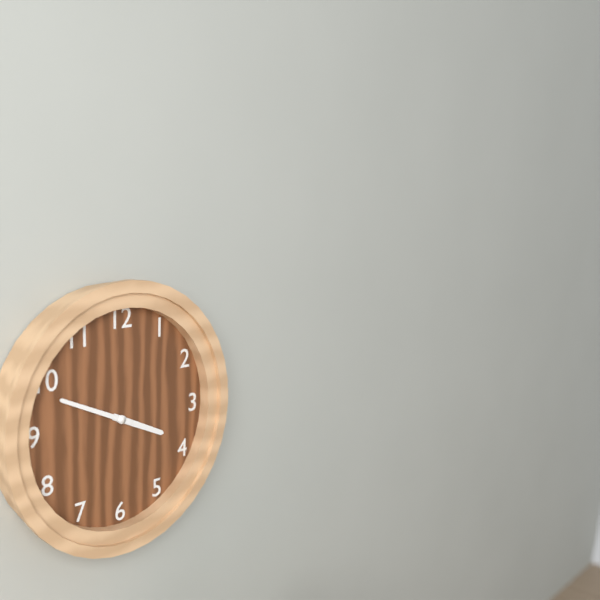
3:49
